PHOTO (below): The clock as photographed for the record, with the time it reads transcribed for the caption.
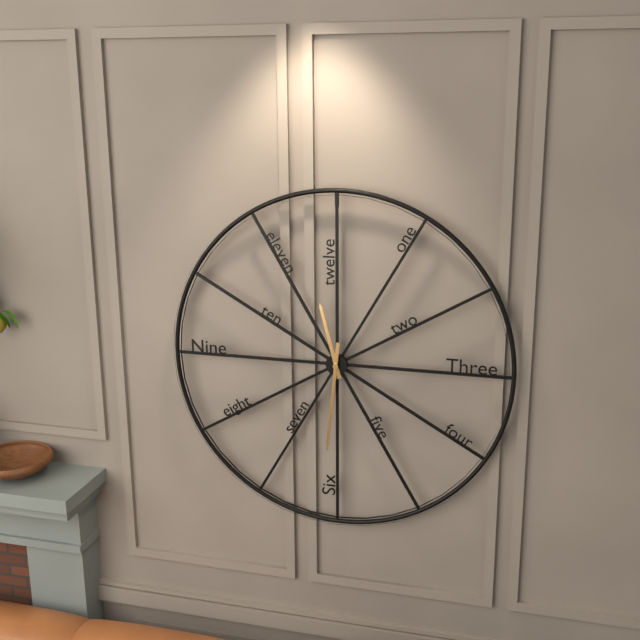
11:31
